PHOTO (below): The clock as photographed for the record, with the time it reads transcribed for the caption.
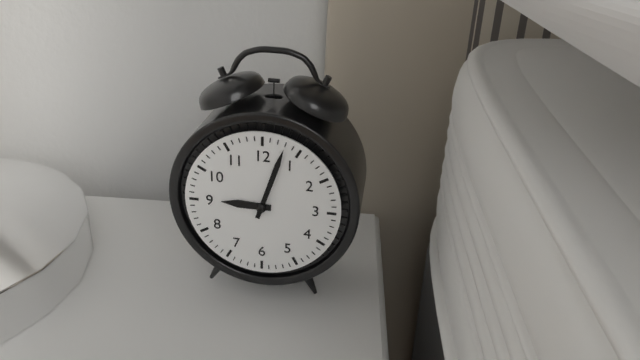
9:03
